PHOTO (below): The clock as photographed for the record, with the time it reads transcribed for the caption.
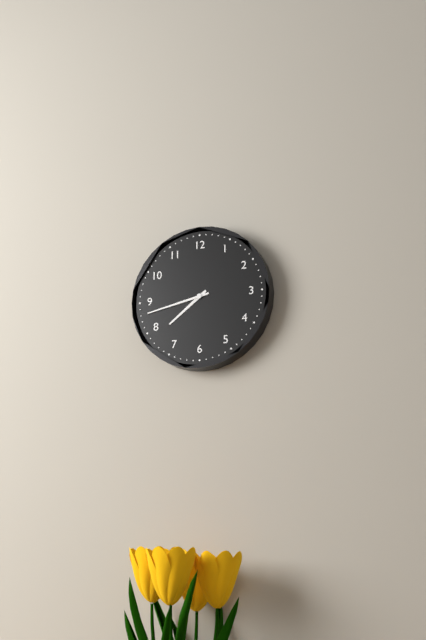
7:43
